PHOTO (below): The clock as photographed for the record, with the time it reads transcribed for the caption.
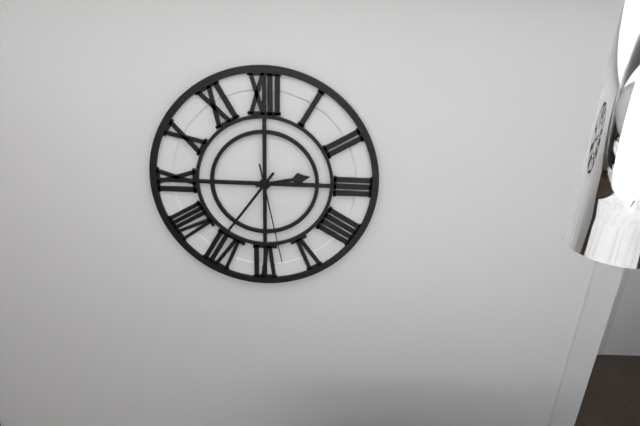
2:36:28
